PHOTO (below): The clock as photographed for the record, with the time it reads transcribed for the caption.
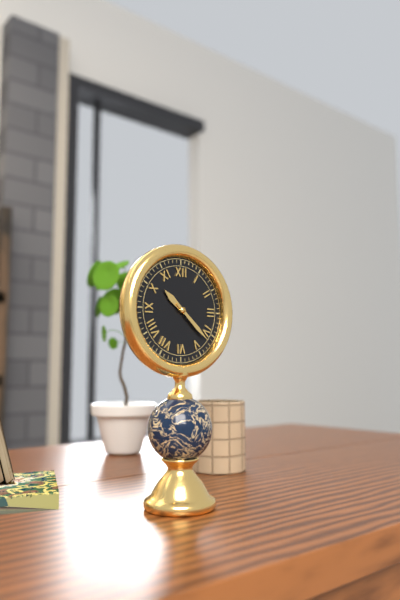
10:22
